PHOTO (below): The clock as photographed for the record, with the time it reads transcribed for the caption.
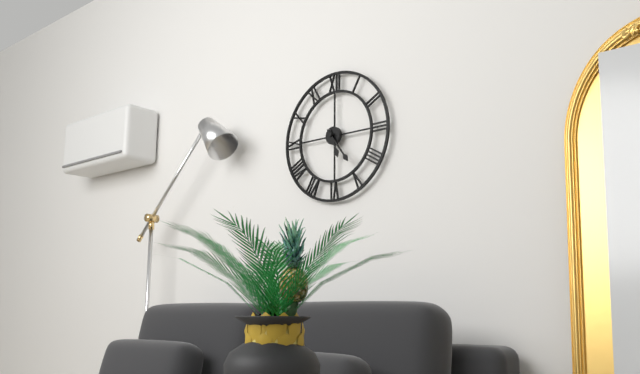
5:24
